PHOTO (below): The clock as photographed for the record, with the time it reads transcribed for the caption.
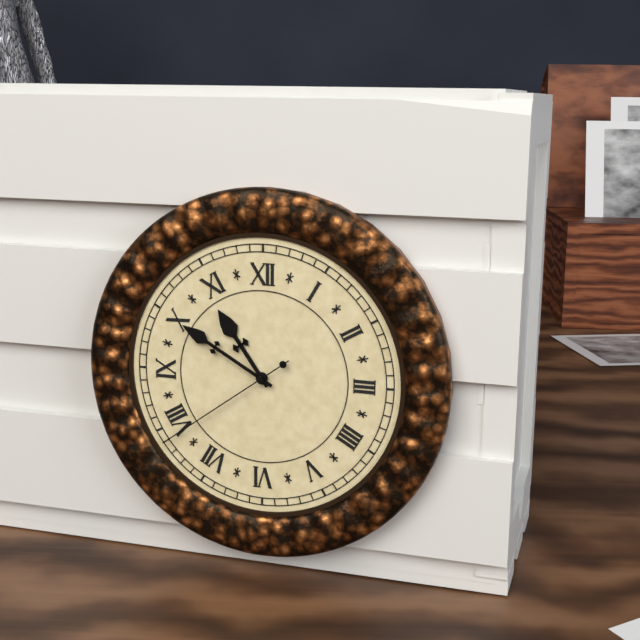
10:50:39
